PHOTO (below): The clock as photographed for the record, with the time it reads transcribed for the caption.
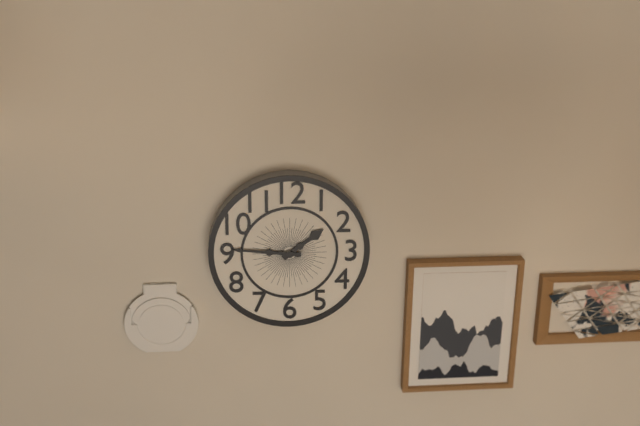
1:46
